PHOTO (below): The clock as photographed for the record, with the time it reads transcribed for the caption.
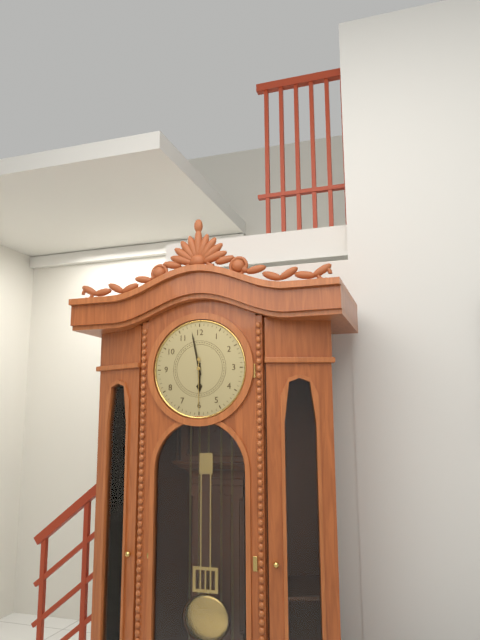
5:58:30
